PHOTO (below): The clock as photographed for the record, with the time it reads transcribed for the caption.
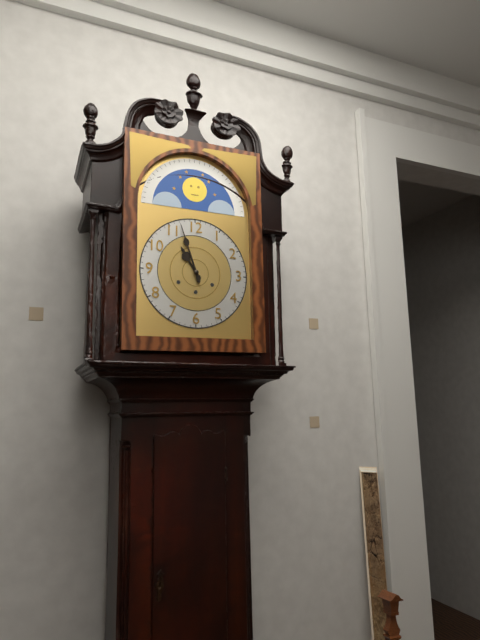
10:57
